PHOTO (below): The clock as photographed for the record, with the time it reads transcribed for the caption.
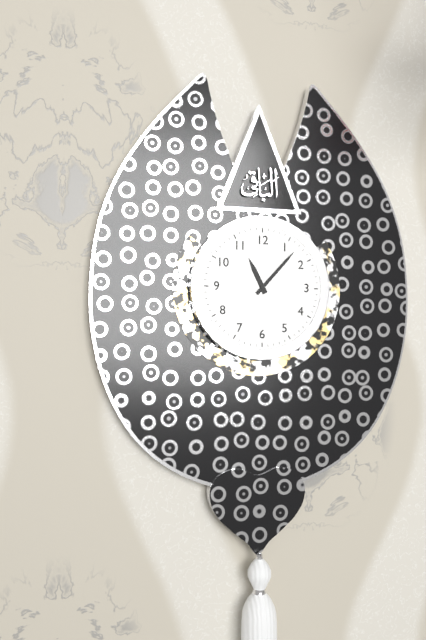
11:07
